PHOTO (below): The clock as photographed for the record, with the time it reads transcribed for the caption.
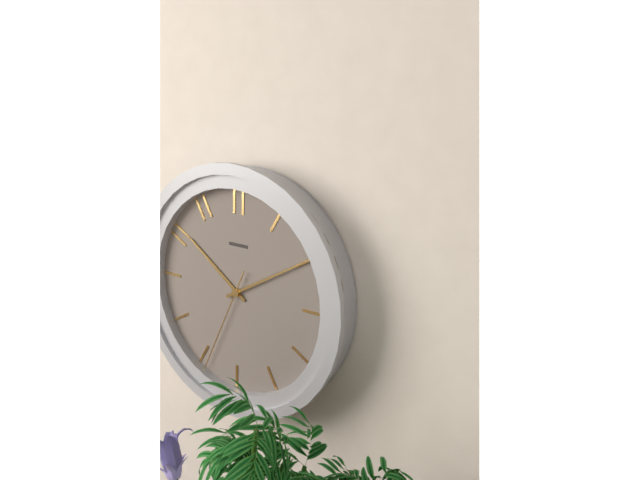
10:10:34
